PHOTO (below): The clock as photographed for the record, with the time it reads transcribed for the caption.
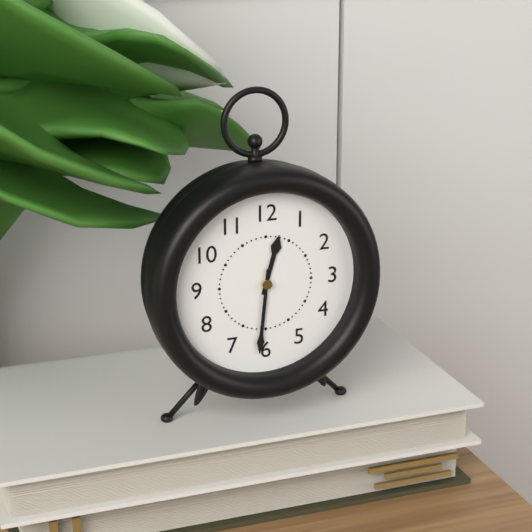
12:31
